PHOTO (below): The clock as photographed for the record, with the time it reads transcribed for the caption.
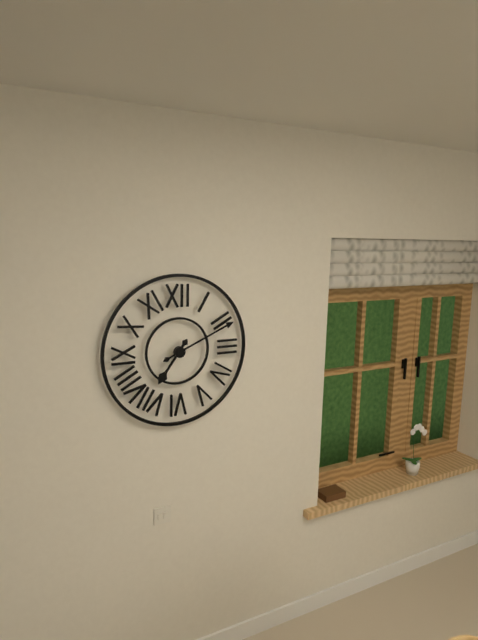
7:11
